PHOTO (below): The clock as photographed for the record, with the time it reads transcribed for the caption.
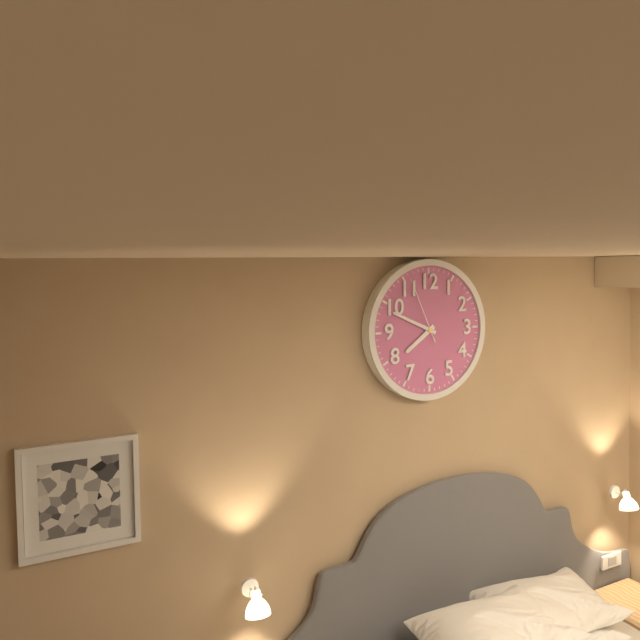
7:49:56
